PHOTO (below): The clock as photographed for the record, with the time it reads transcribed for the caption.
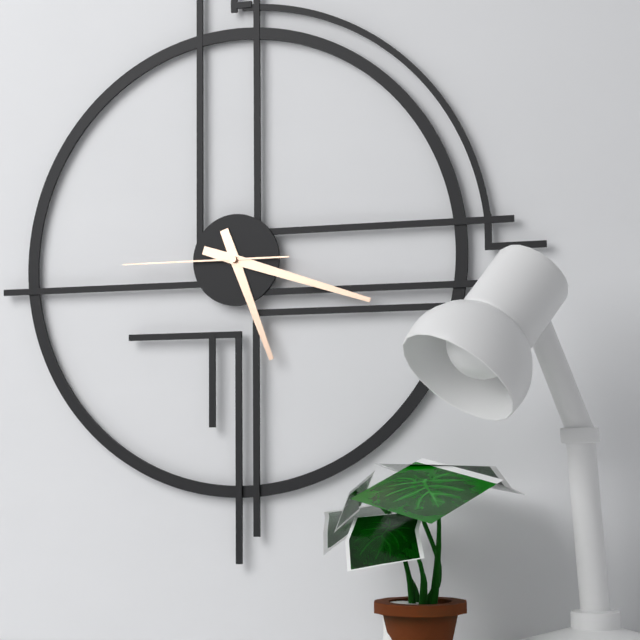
5:18:45
